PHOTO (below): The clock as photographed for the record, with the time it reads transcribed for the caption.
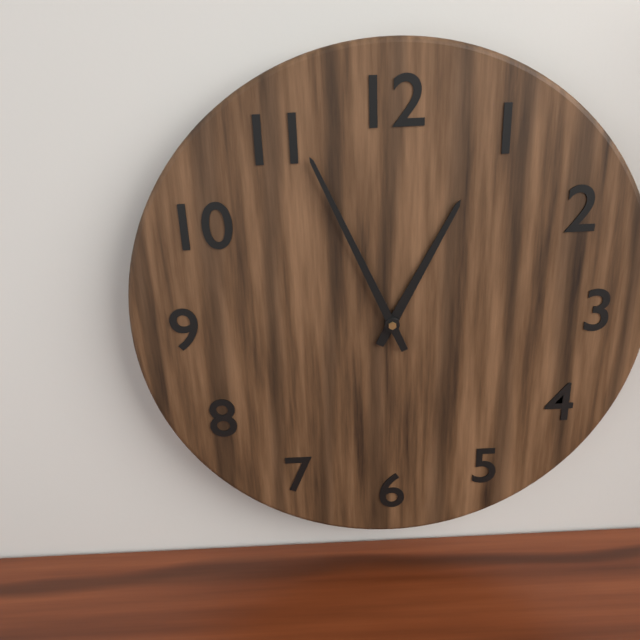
12:56
